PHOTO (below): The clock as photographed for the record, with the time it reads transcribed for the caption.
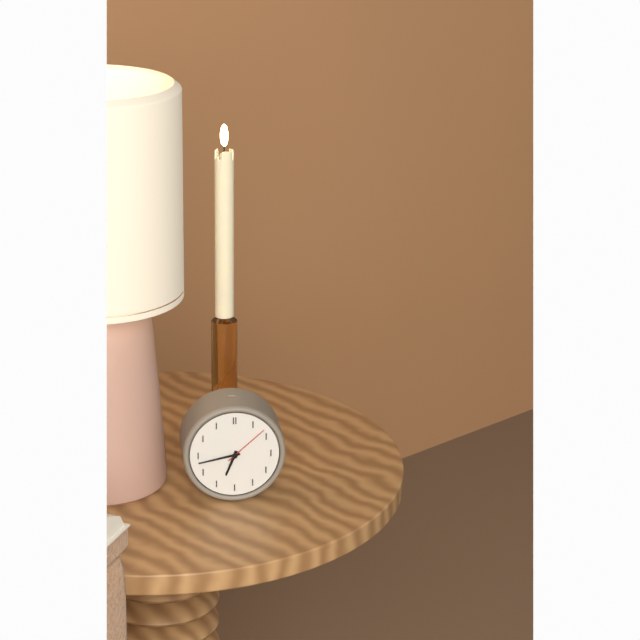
6:43
